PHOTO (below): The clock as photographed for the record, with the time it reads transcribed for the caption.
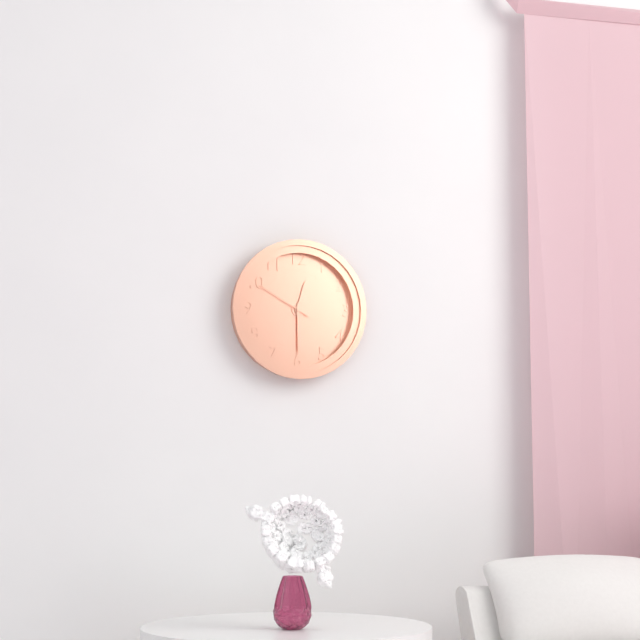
12:30:50
